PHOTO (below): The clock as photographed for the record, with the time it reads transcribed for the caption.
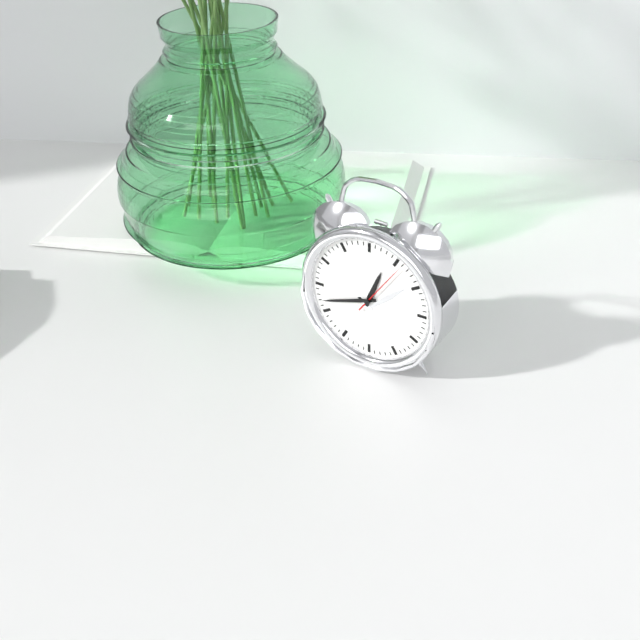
12:42:06
